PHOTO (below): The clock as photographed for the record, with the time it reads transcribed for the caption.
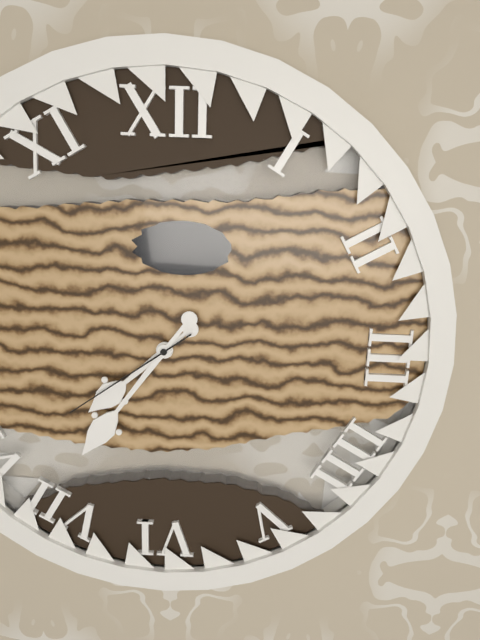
7:36:39
